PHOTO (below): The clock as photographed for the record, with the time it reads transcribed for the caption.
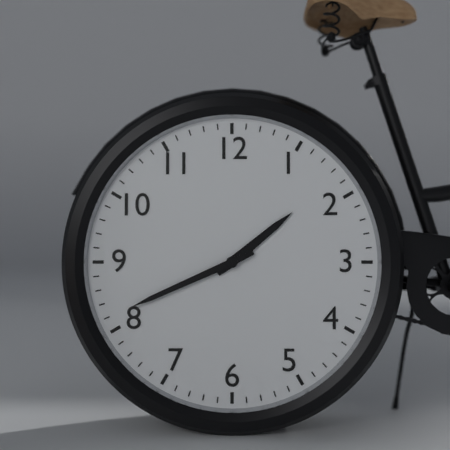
1:41
